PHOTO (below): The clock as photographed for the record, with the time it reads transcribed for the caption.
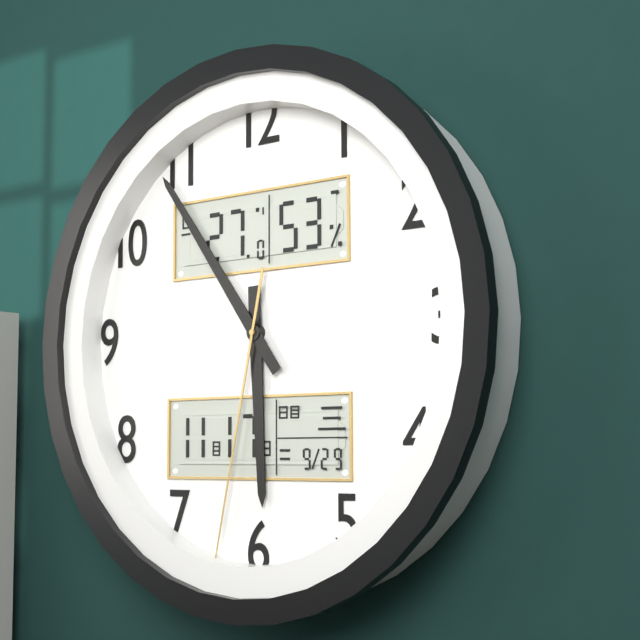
5:54:32
